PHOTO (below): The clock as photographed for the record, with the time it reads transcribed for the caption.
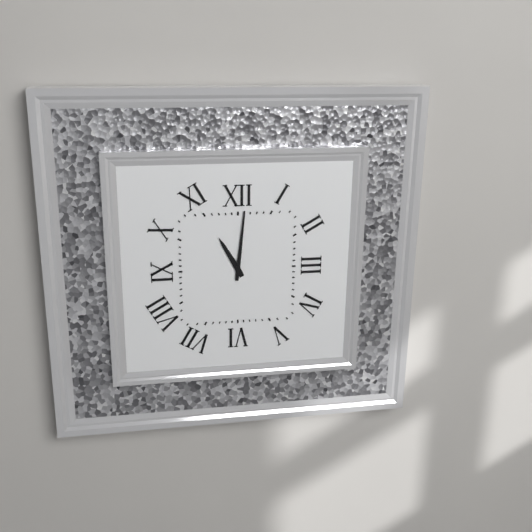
11:01
